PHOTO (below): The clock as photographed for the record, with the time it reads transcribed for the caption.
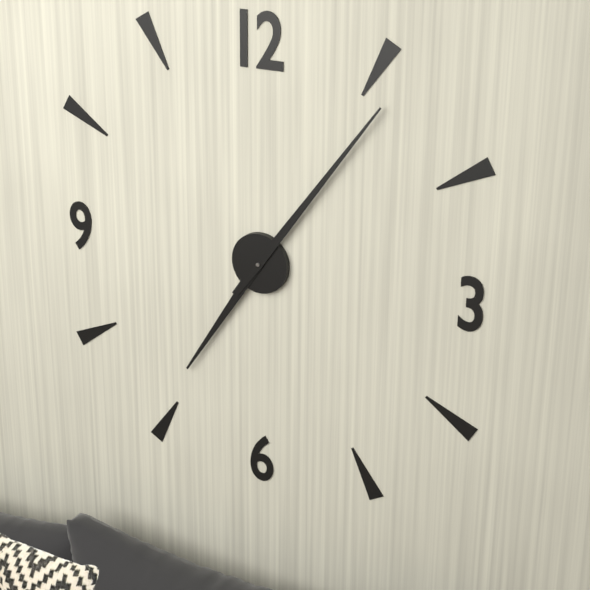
7:06
